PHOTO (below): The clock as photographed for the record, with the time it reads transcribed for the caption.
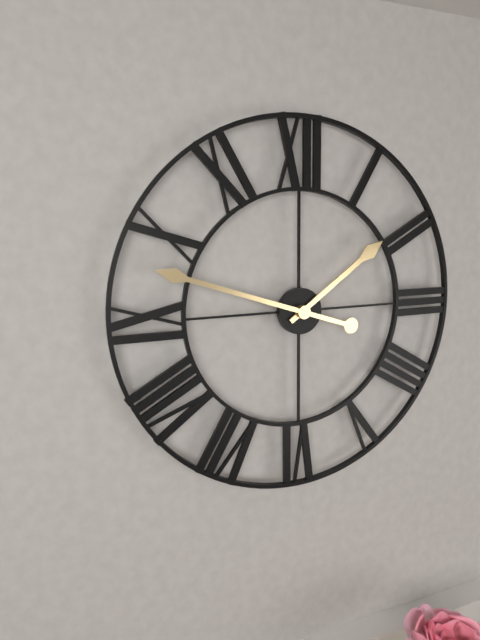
1:48
